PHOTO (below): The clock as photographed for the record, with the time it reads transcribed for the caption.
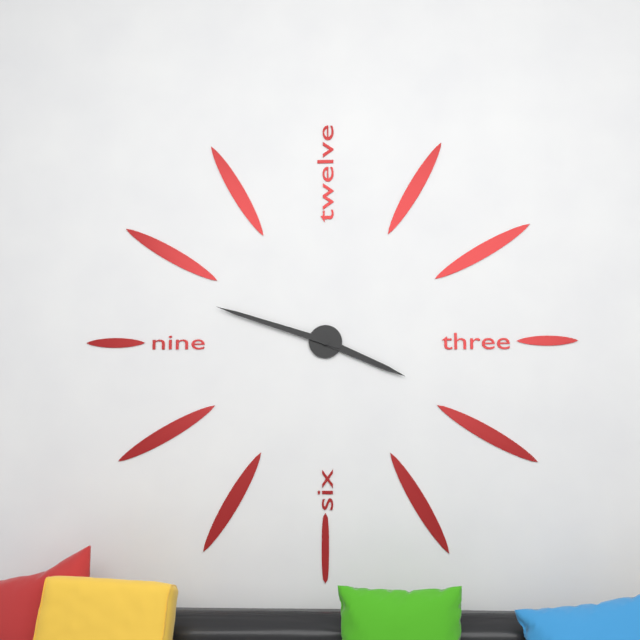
3:48
